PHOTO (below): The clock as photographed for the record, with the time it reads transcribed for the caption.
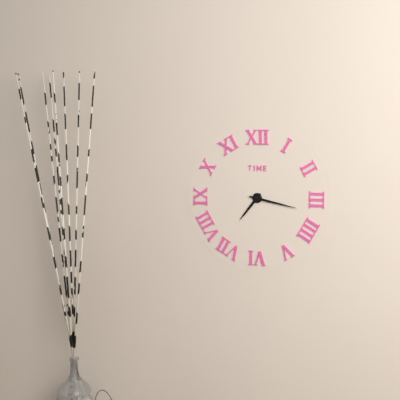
7:17
